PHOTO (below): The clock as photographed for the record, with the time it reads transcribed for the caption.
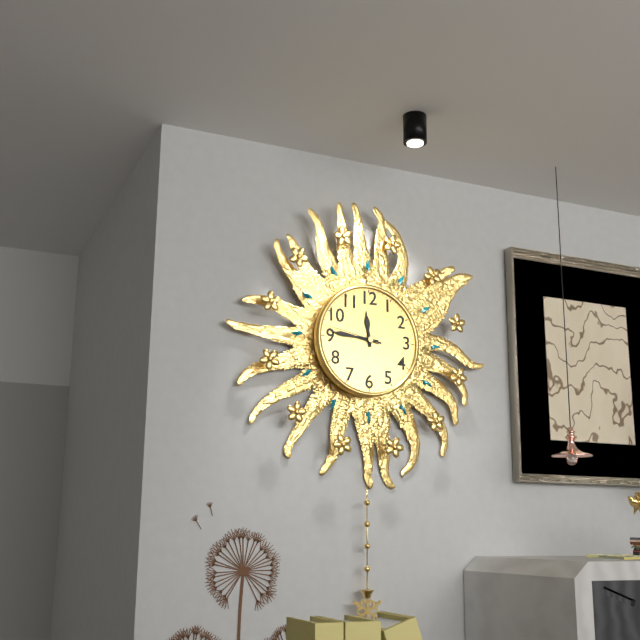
11:46
